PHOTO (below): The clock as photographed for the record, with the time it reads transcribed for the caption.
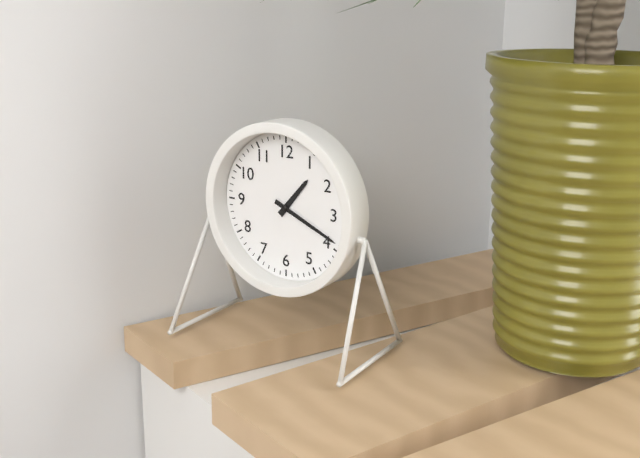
1:19
